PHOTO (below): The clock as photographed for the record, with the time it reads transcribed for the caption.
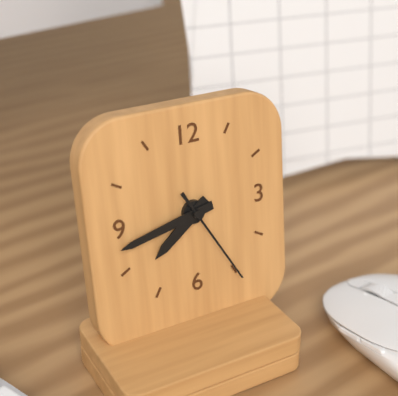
7:43:25
